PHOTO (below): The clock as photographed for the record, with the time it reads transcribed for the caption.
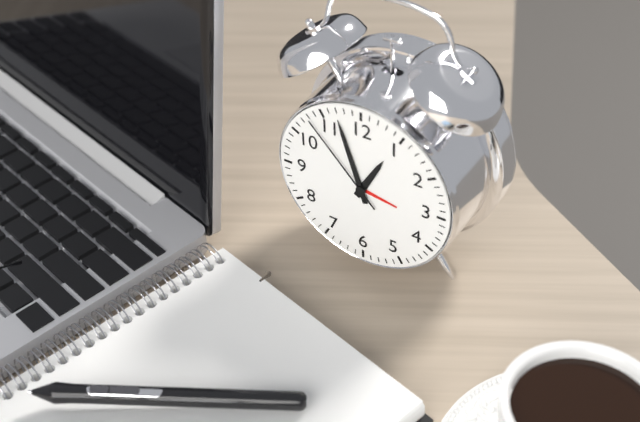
12:57:53
